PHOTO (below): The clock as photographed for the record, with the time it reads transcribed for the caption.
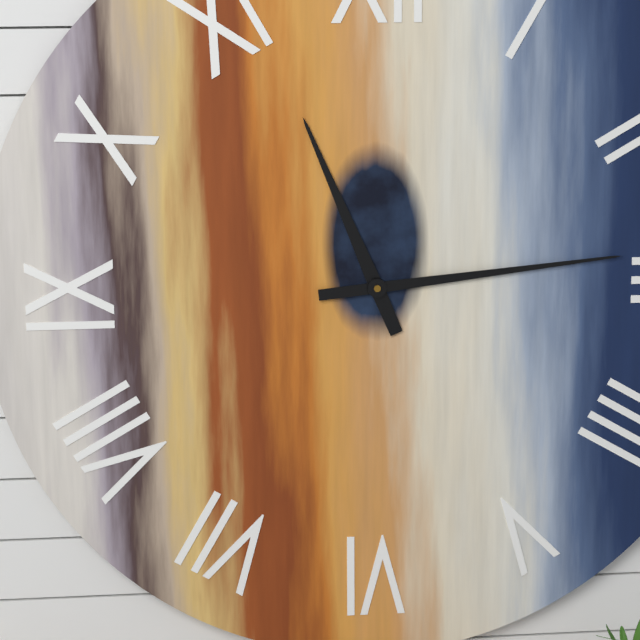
11:14
